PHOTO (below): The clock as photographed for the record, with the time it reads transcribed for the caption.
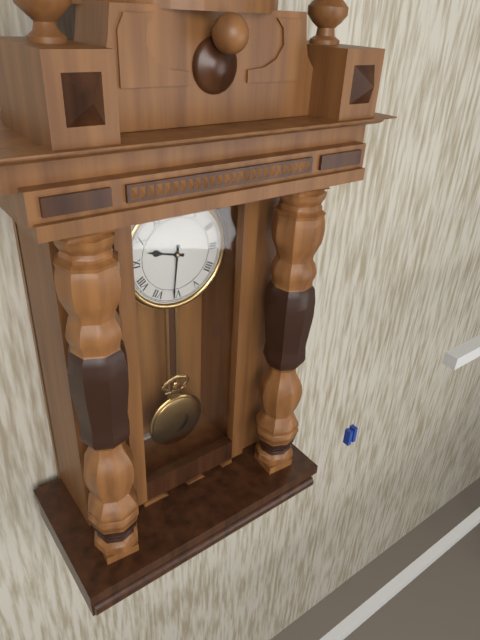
9:31
